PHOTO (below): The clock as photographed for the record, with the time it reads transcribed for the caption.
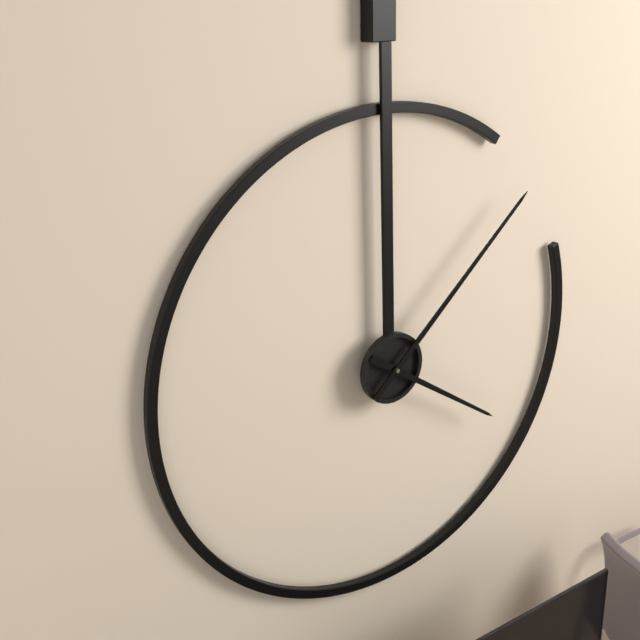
4:08
